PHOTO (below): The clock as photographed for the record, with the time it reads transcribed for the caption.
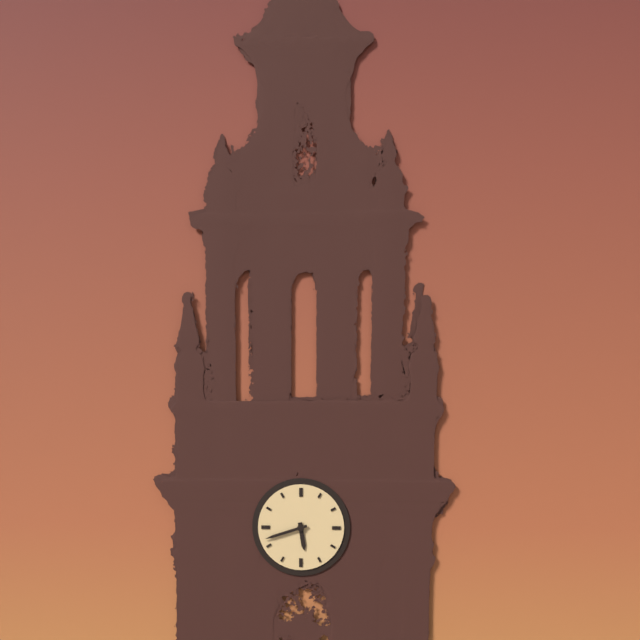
5:42
